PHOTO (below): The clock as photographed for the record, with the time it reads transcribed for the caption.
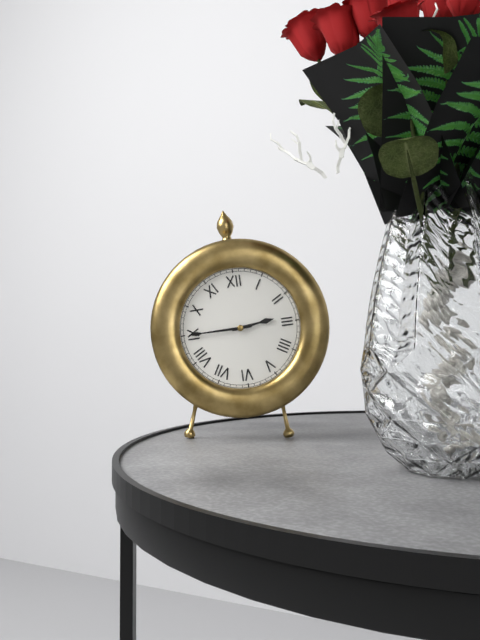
2:45
